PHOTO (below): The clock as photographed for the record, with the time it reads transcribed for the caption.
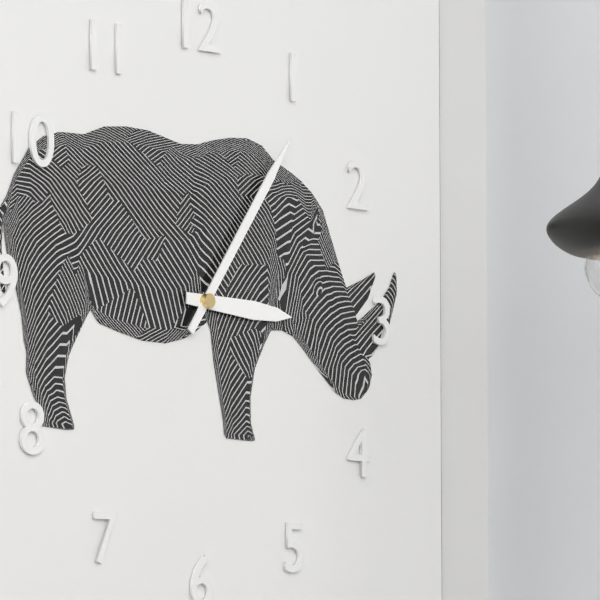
3:06
